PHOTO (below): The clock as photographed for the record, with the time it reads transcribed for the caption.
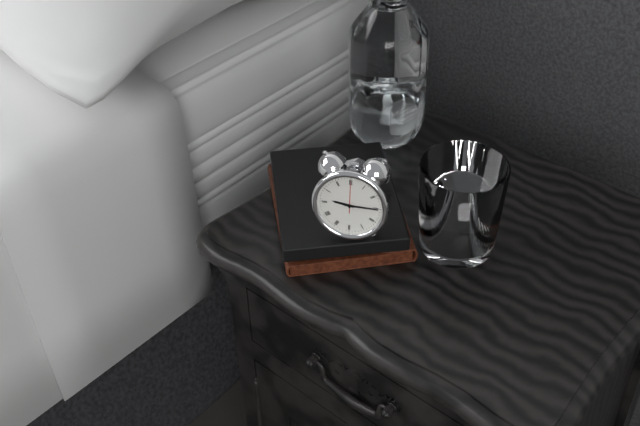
9:15
